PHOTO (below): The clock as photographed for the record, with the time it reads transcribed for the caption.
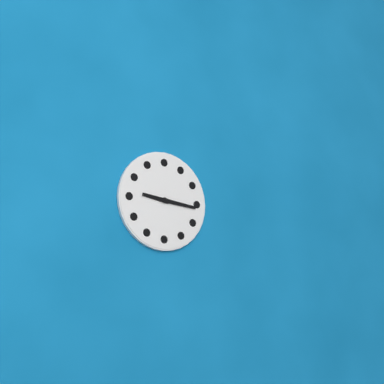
9:16
